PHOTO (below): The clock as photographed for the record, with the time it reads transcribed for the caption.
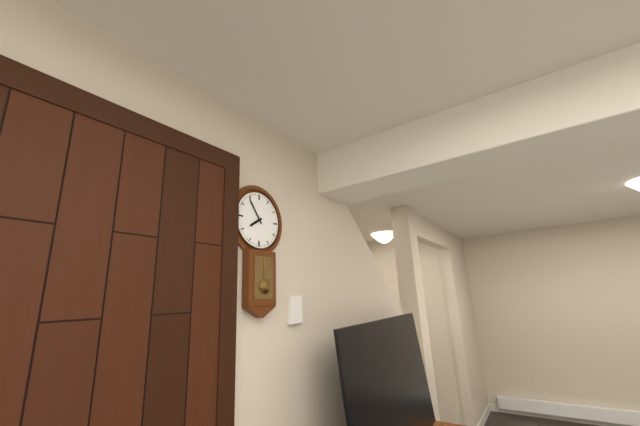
7:54
